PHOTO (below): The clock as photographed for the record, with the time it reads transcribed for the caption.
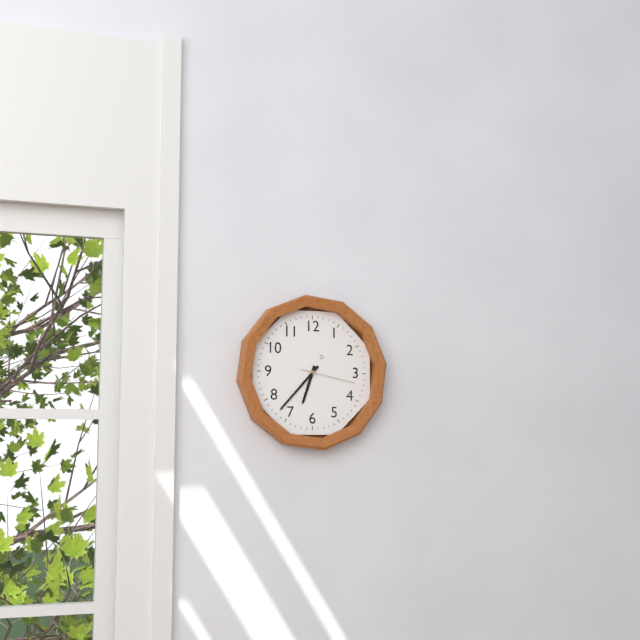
6:37:17
